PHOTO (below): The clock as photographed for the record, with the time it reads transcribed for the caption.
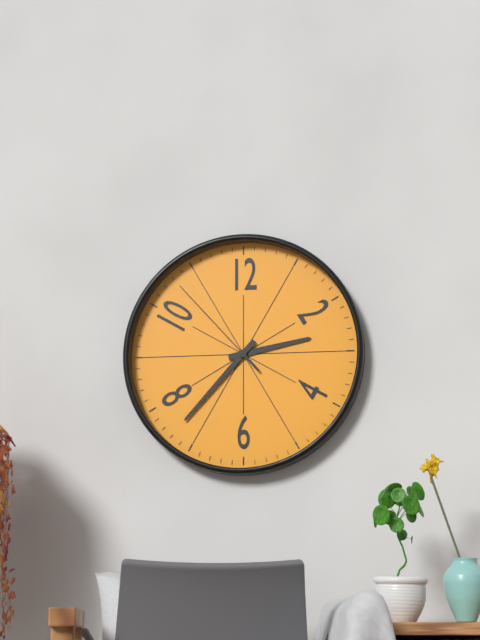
2:37:53
